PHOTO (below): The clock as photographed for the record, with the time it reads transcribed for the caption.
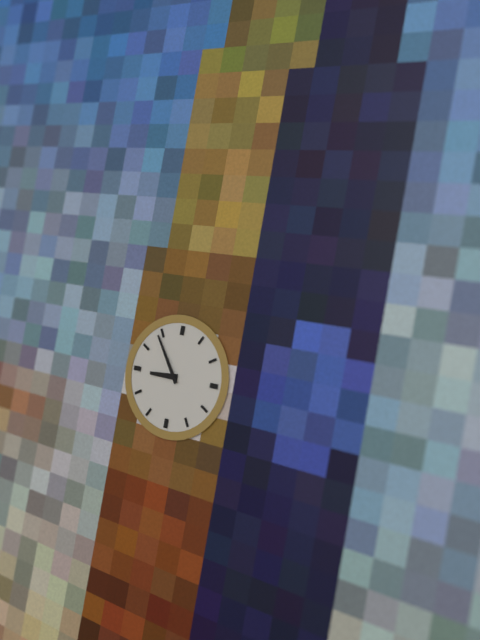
8:54
